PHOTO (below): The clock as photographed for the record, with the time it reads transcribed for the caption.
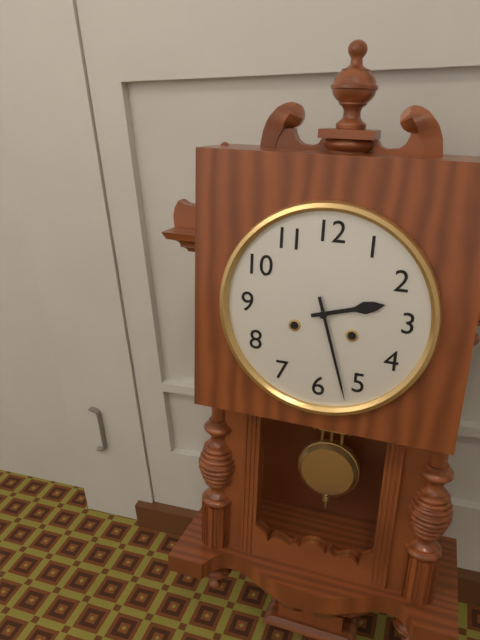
2:27
